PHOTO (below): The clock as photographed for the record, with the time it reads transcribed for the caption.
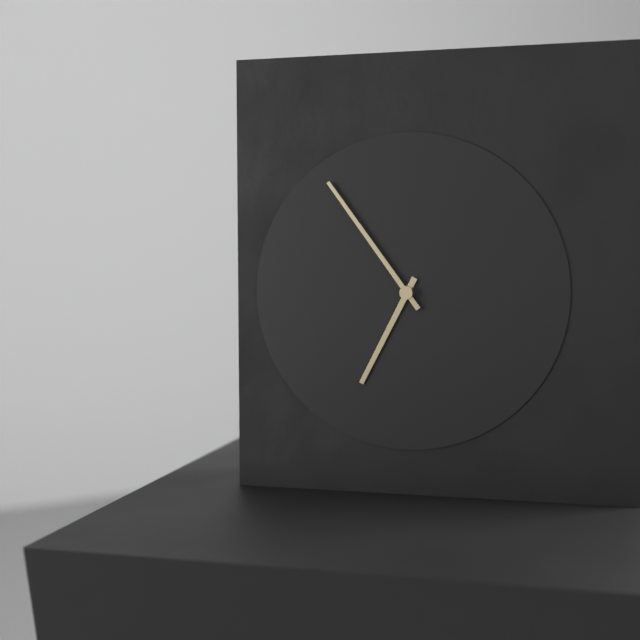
6:54
